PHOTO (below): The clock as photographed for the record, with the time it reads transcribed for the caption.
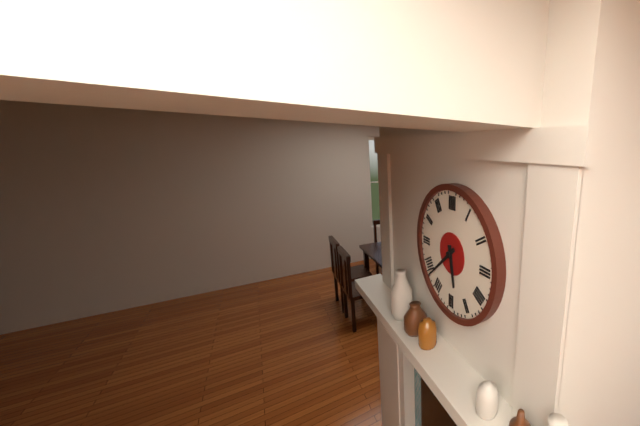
5:38
